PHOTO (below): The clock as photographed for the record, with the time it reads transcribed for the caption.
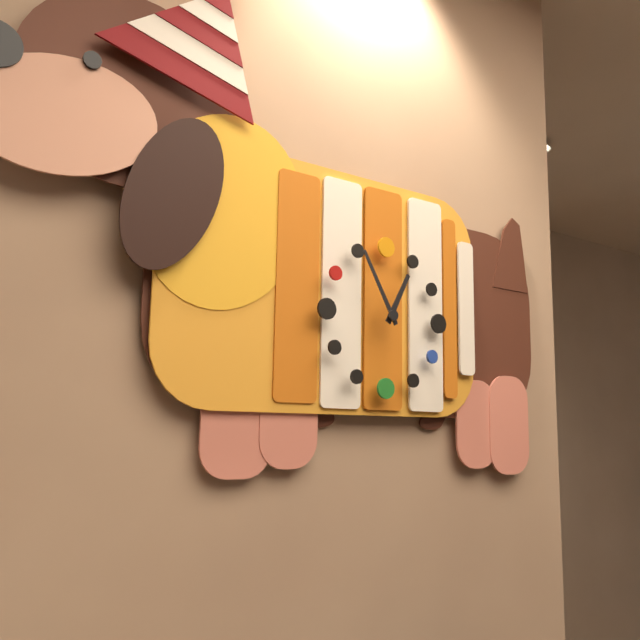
12:55
